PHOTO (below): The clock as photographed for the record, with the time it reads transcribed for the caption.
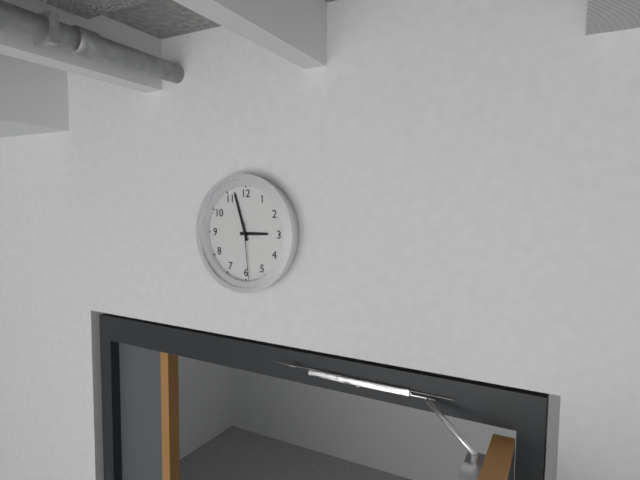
2:57:29
